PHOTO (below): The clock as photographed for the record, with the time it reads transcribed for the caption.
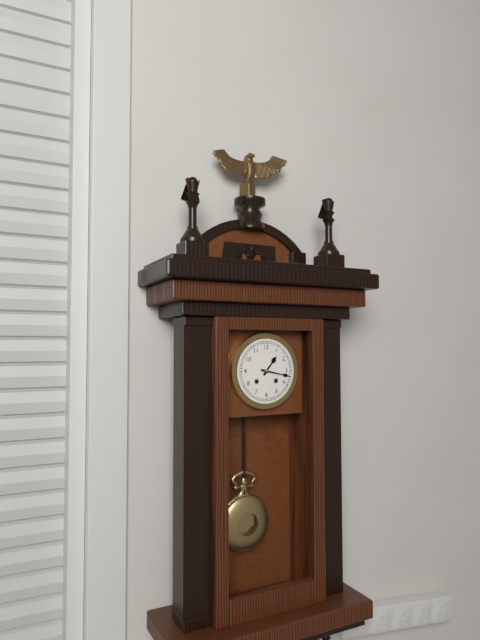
1:17
